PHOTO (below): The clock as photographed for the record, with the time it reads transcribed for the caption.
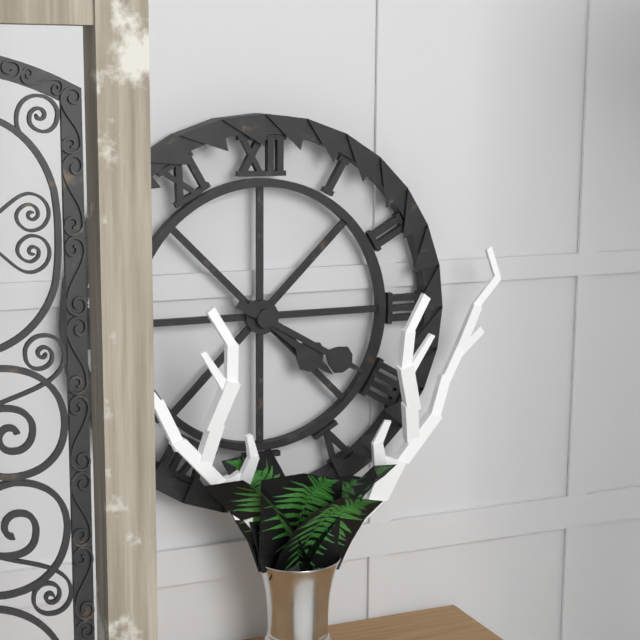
4:20
